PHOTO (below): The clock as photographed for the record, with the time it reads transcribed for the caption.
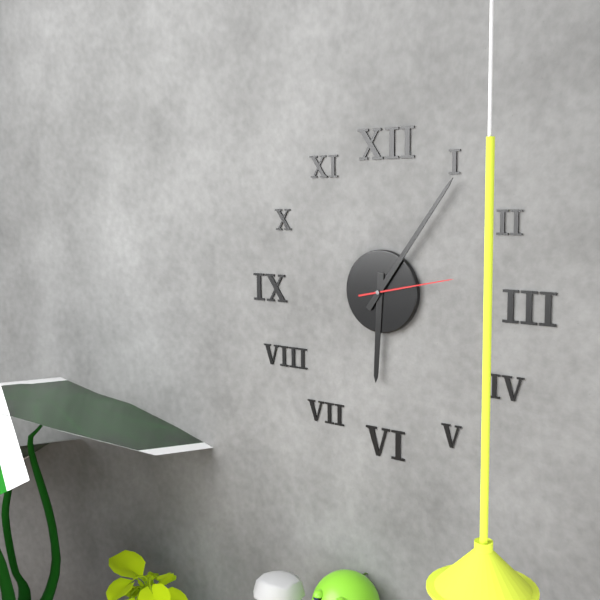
6:06:13
